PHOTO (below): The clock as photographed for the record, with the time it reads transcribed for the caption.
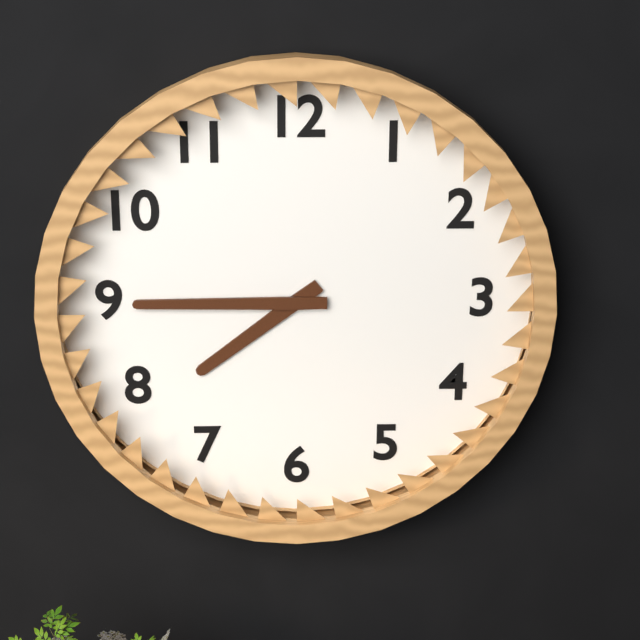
7:45
